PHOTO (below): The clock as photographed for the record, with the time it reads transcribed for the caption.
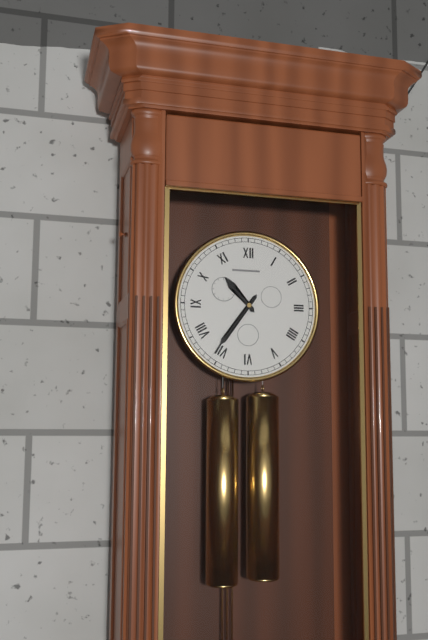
10:36
